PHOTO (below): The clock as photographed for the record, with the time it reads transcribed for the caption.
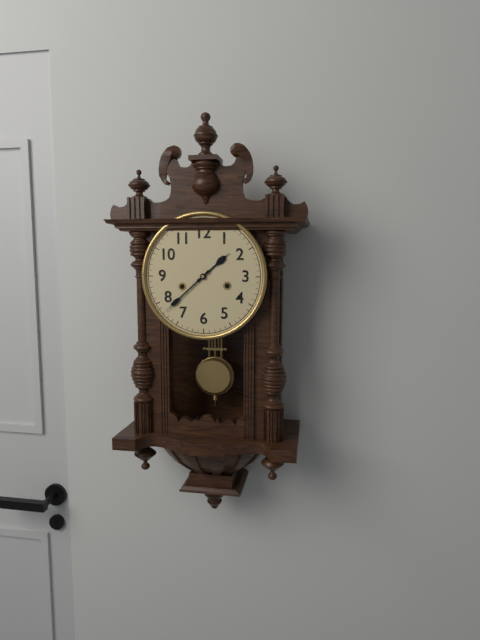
1:38
